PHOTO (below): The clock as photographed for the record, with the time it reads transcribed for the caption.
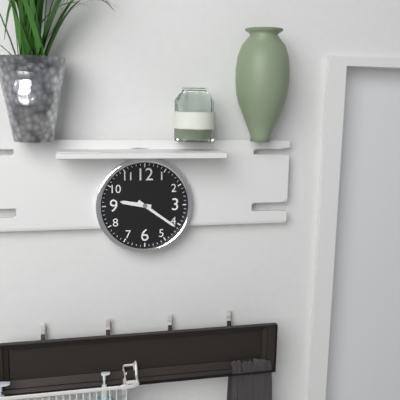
9:21
